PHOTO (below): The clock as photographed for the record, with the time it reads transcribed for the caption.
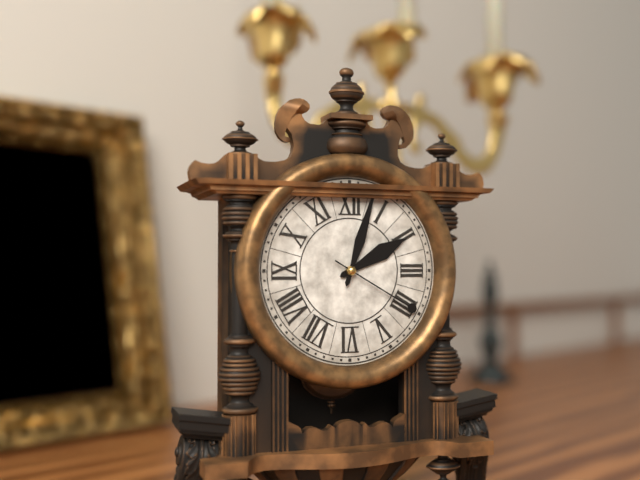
2:03:20
